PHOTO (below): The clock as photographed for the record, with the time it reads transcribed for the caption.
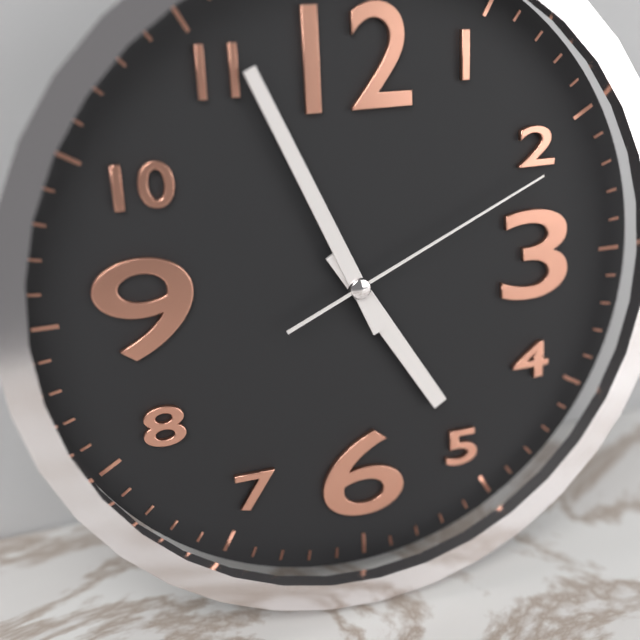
4:56:11
